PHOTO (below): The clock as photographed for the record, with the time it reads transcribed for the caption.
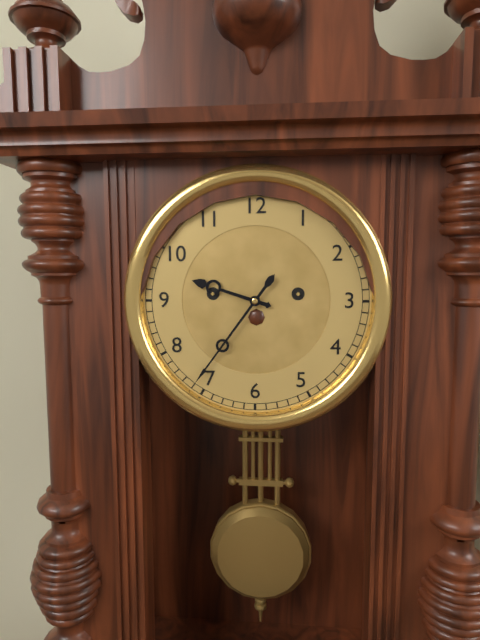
9:36
